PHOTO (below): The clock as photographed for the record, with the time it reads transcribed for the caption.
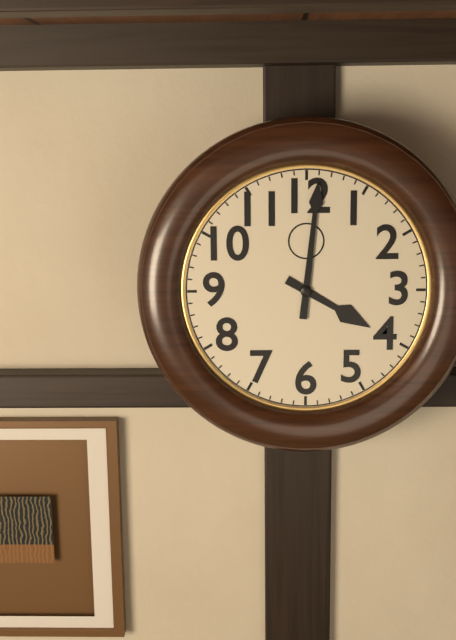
4:01
